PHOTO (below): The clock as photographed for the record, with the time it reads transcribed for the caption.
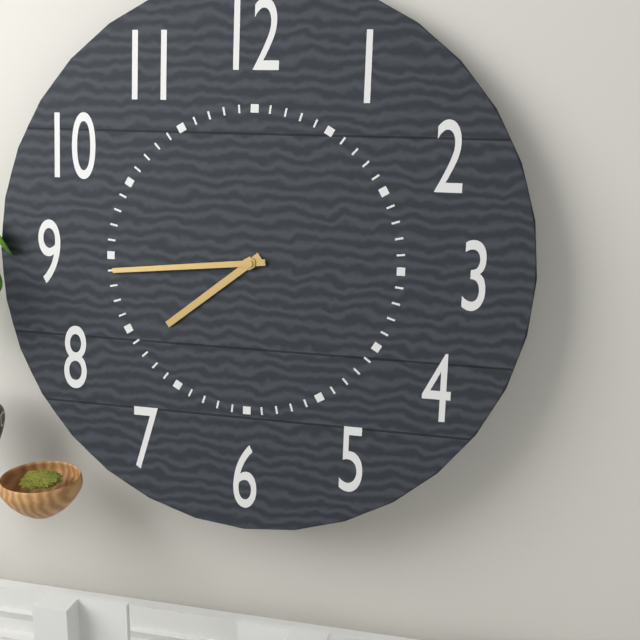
7:44
